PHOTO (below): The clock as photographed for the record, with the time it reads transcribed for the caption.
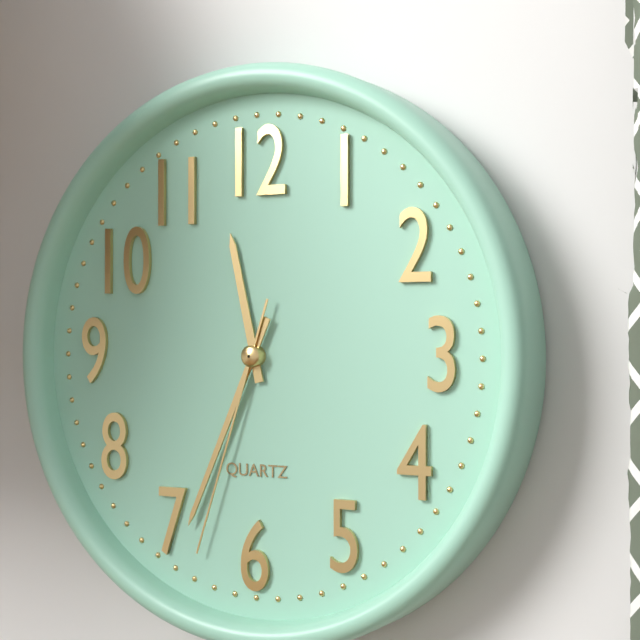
11:34:33
